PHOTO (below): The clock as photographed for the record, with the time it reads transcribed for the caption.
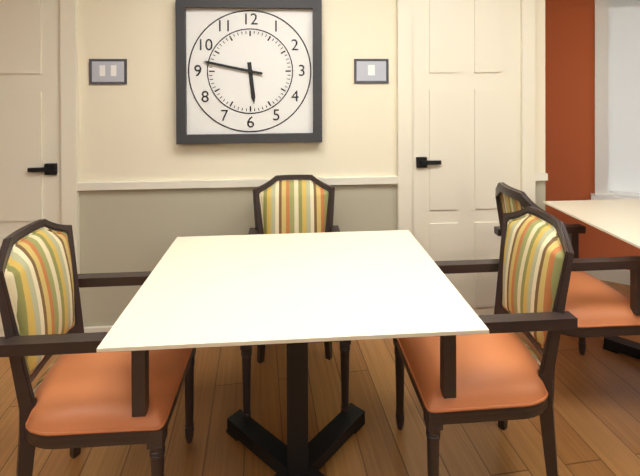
5:47
